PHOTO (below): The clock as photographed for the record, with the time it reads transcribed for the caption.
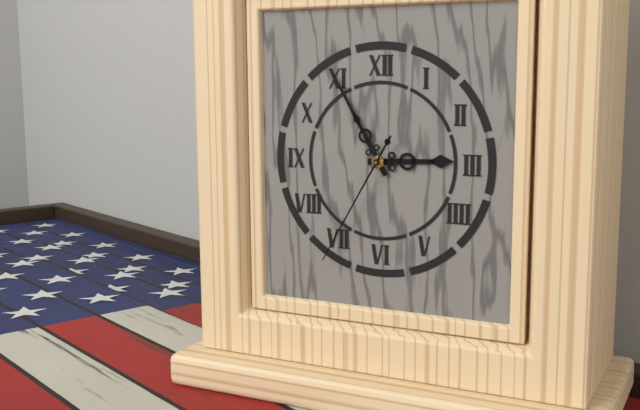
2:55:35
